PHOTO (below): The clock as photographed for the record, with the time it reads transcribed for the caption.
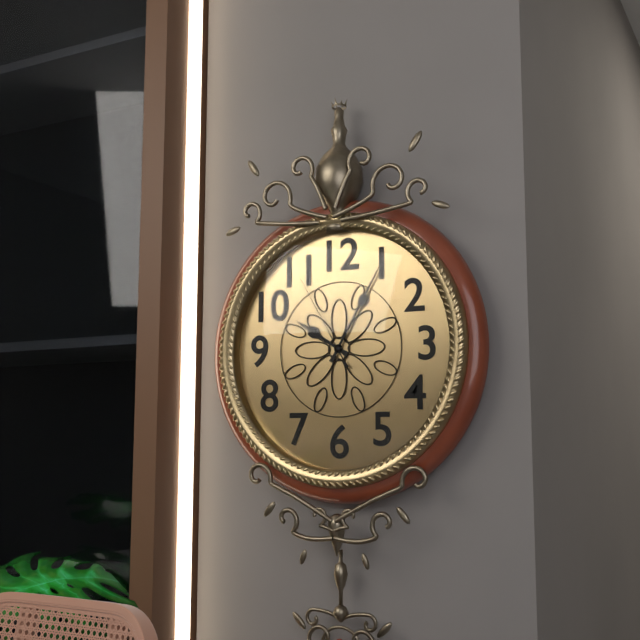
10:05:55
